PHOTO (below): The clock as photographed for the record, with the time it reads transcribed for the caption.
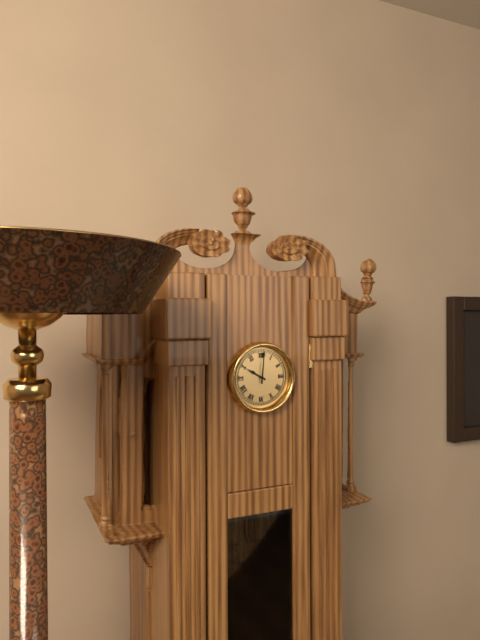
10:01
